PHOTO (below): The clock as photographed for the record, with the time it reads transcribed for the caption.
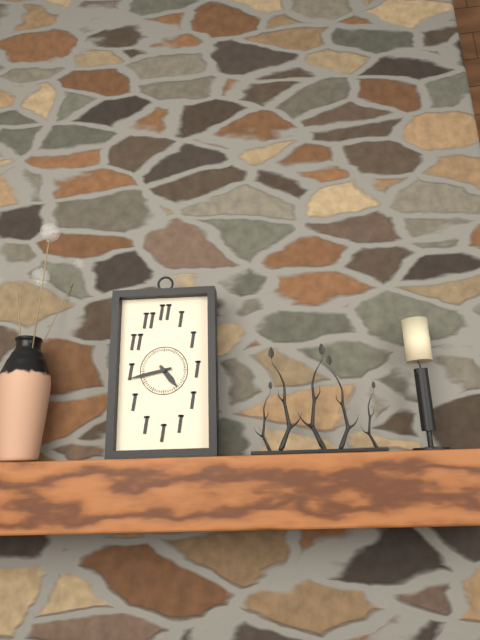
4:43
